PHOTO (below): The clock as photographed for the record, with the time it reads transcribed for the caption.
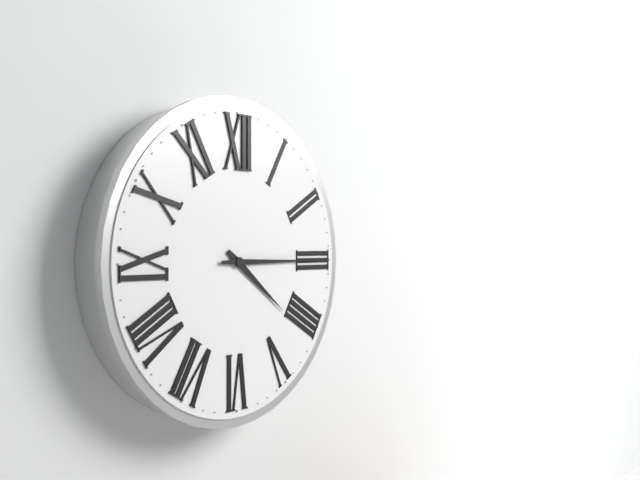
4:15
